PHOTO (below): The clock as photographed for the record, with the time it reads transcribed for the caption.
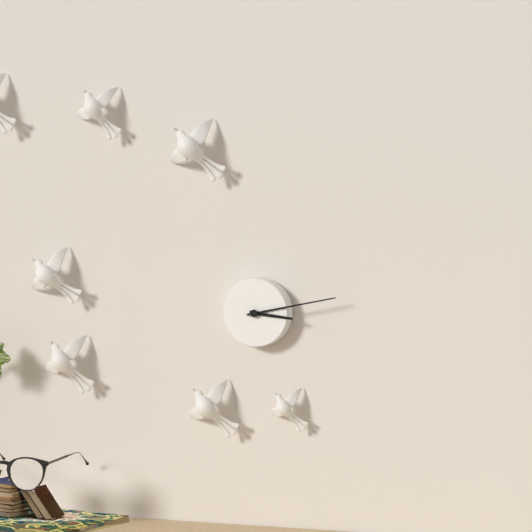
3:13
